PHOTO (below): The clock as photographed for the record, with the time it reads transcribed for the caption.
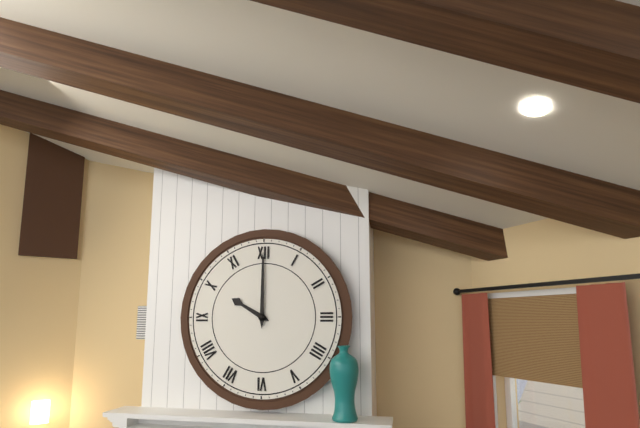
10:00
